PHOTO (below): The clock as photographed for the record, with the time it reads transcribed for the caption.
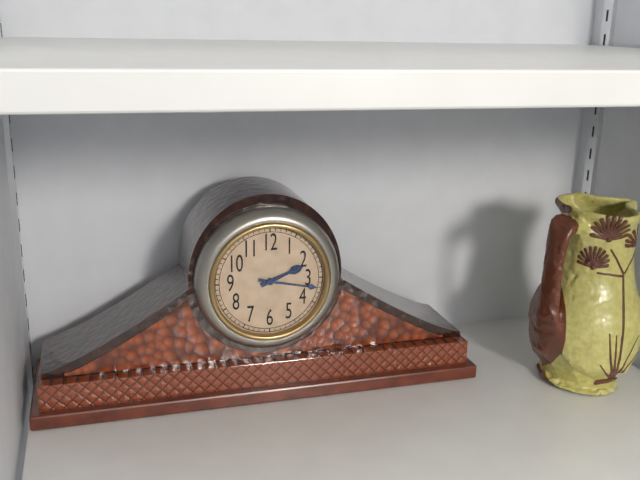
2:17
